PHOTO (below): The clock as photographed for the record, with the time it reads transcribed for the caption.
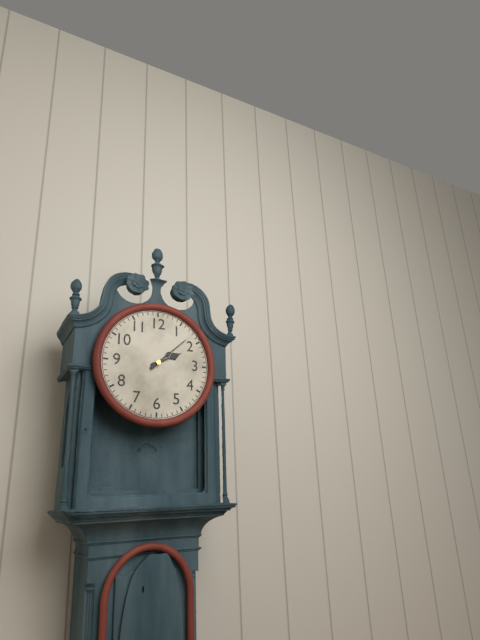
2:08
